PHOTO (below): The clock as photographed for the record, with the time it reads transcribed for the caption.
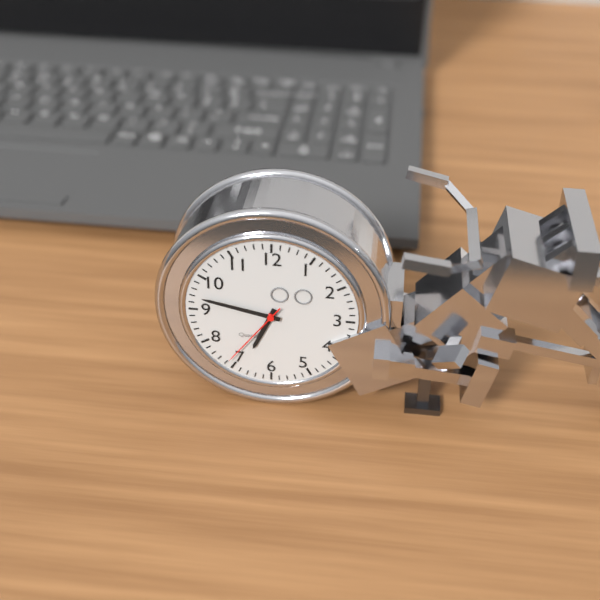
6:47:36
